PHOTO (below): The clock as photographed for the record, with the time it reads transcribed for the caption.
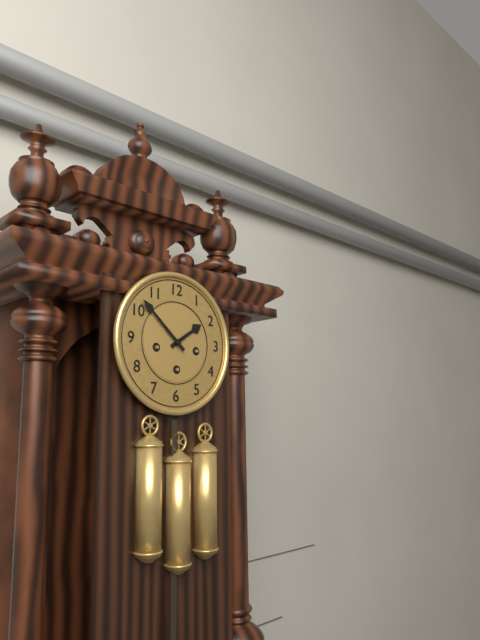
1:52
